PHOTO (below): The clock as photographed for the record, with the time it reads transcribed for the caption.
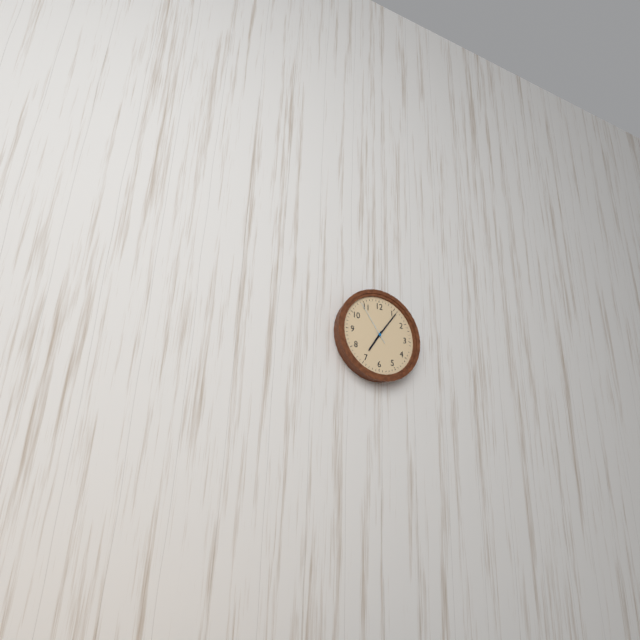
7:06
